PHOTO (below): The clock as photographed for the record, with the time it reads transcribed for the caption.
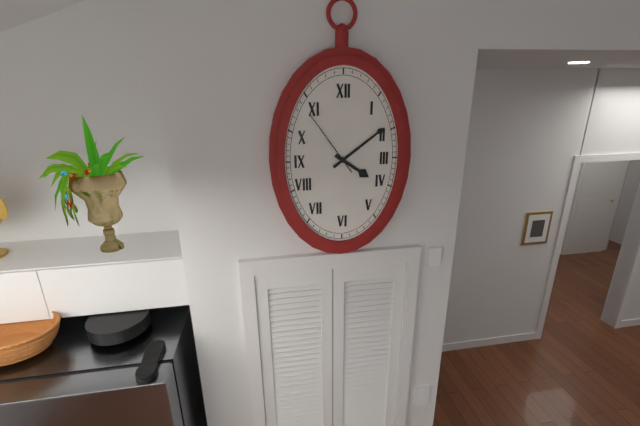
4:09:54
